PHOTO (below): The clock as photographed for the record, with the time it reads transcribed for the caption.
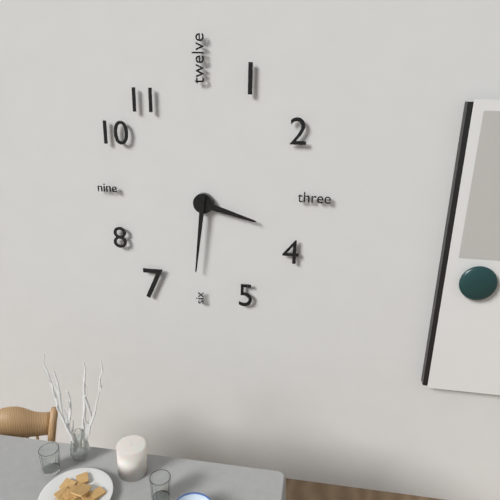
3:31
